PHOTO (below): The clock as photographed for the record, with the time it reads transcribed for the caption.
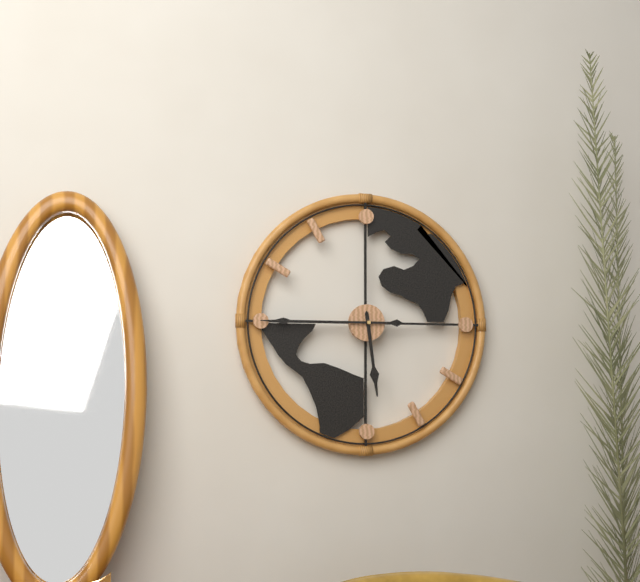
5:45
